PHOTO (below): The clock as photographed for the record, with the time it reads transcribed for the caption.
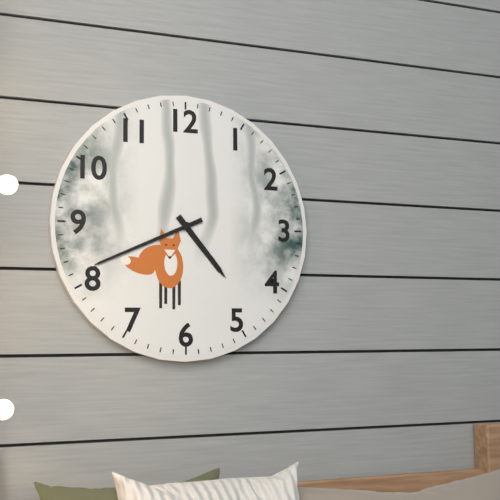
4:41
